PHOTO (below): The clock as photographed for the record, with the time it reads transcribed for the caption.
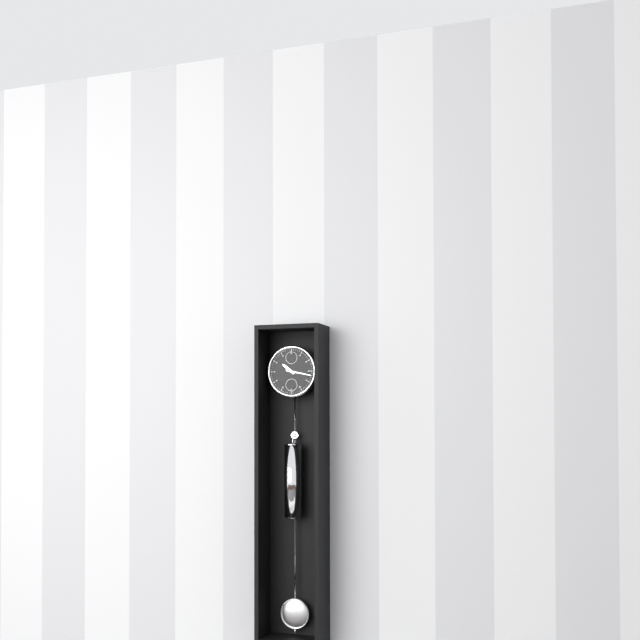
10:17
